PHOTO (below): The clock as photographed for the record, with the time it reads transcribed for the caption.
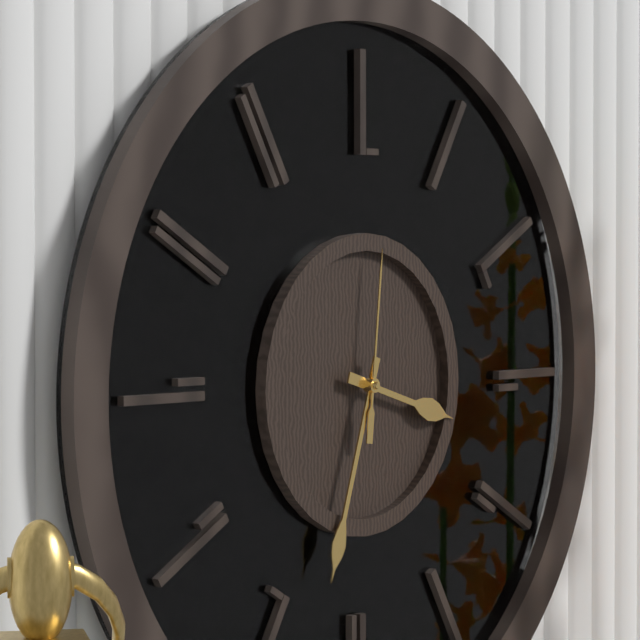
3:33:01
